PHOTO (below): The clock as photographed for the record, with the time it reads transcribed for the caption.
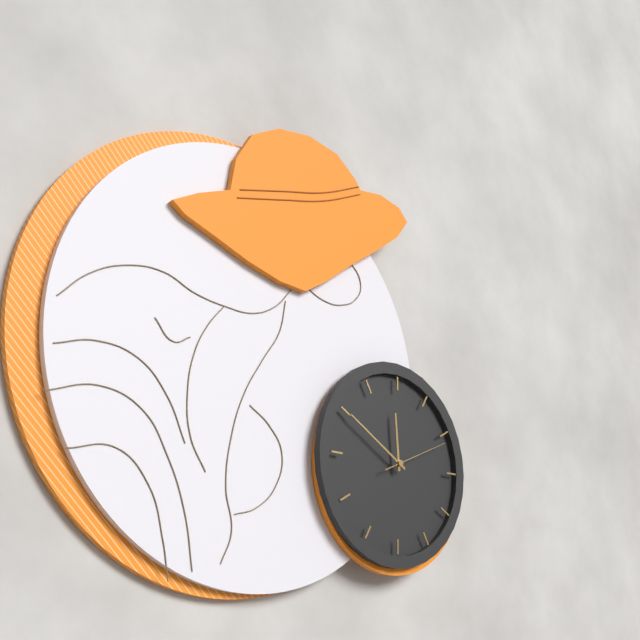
11:50:11
